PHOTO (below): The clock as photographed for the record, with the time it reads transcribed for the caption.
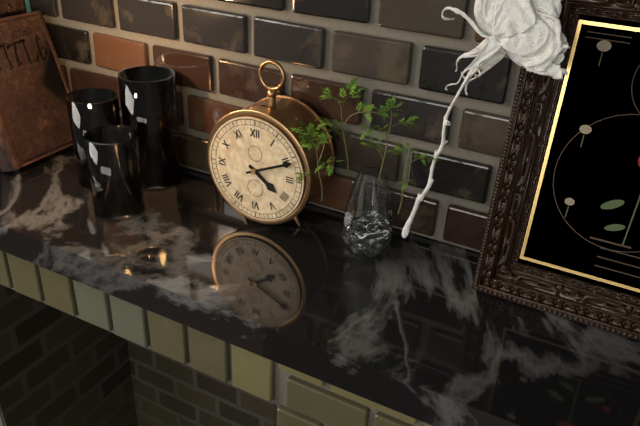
4:11
